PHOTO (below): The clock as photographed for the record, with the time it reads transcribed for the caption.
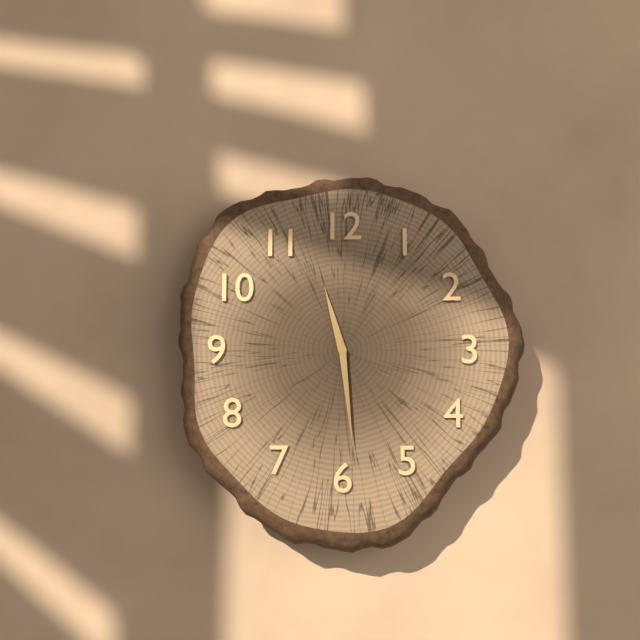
11:29
